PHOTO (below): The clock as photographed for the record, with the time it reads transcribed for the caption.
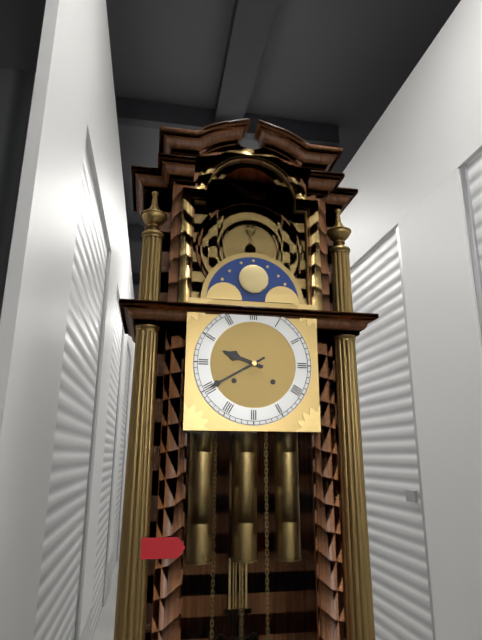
9:40
